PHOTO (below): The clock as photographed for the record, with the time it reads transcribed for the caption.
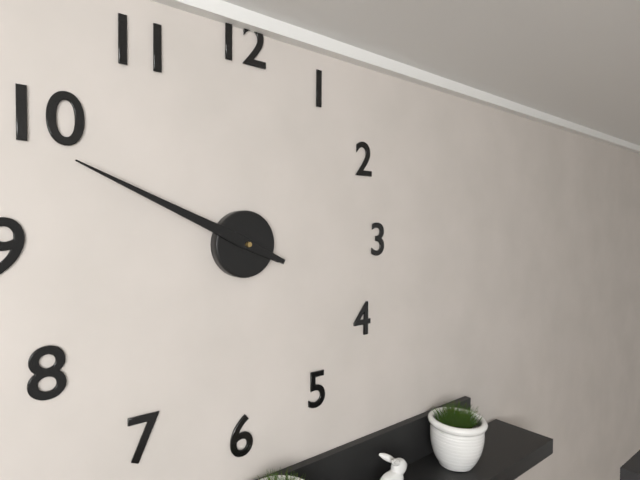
9:49
